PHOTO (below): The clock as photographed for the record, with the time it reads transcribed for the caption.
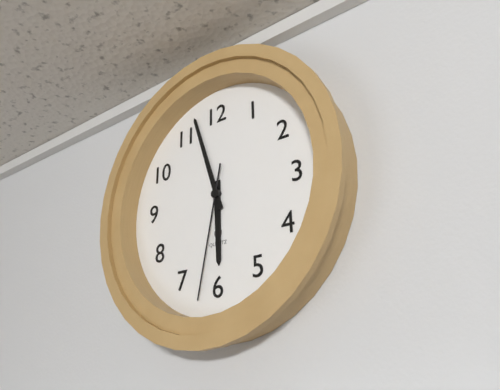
5:57:32
